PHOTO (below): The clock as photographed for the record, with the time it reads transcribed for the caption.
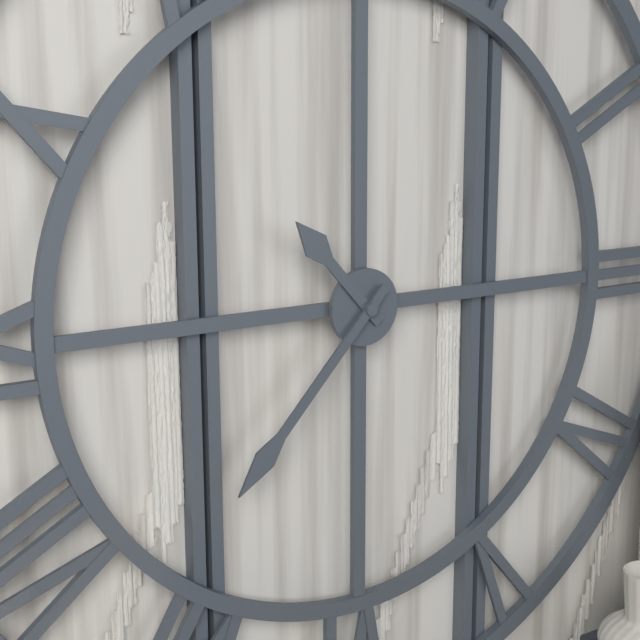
10:37
